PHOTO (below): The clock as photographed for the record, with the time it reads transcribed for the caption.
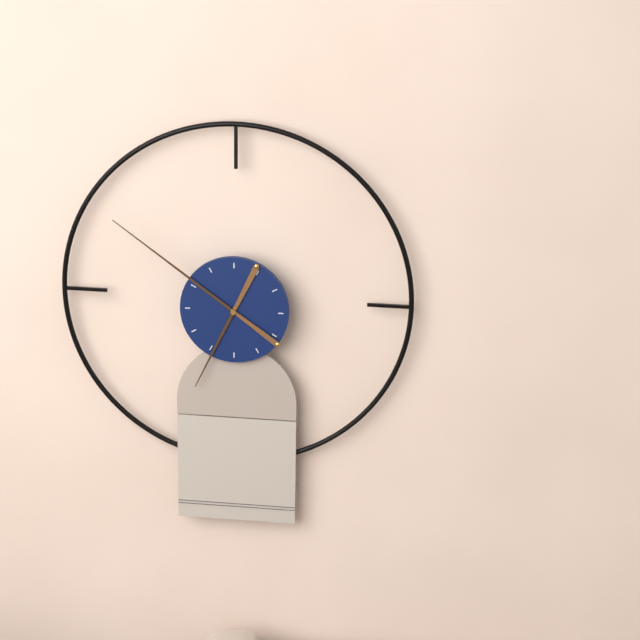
6:51
